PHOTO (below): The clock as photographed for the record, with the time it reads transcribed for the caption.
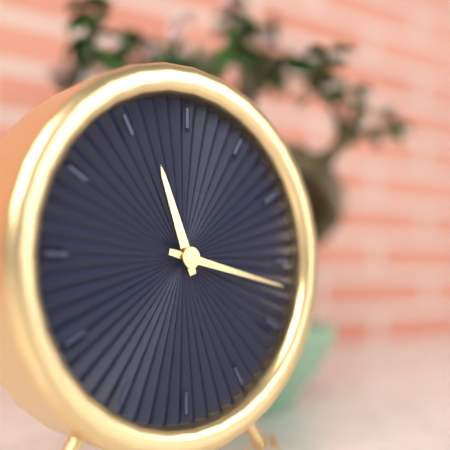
11:17
